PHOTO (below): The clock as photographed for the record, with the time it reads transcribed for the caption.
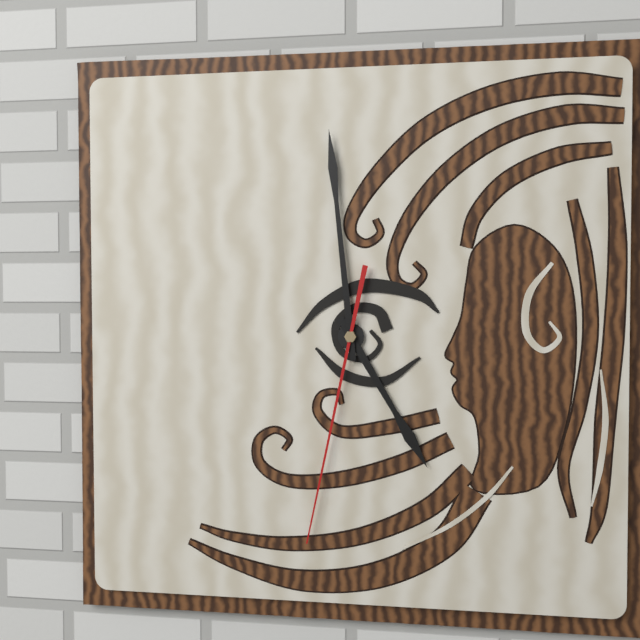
4:59:32
